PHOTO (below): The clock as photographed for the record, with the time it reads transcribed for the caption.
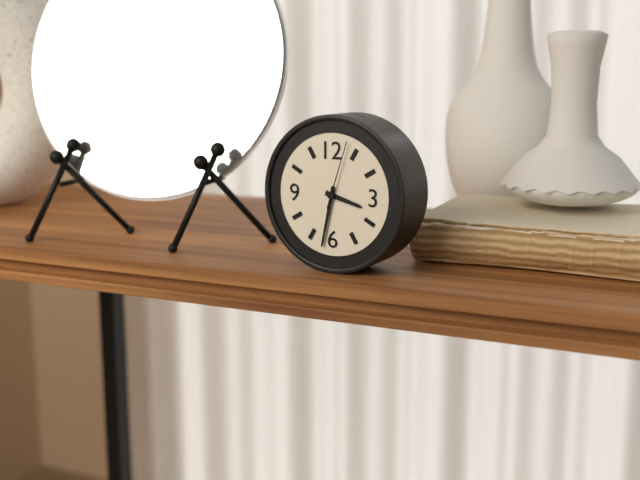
3:32:03
